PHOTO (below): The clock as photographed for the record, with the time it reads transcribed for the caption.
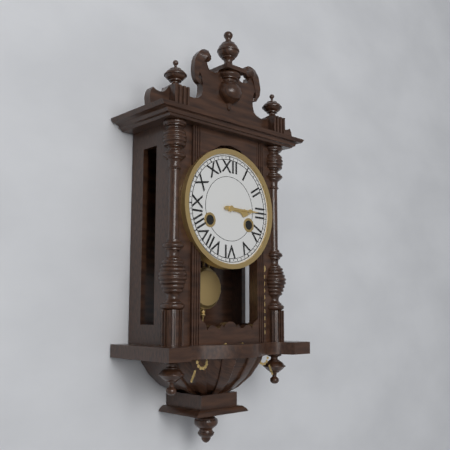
3:15
